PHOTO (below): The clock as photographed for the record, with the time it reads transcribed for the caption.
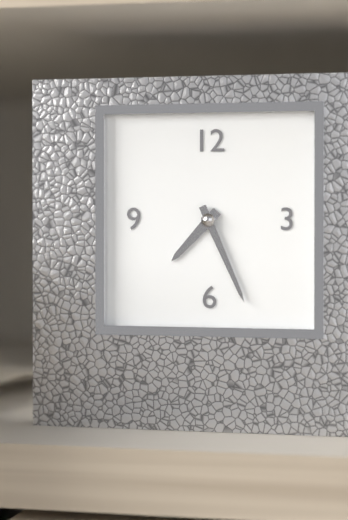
7:26
